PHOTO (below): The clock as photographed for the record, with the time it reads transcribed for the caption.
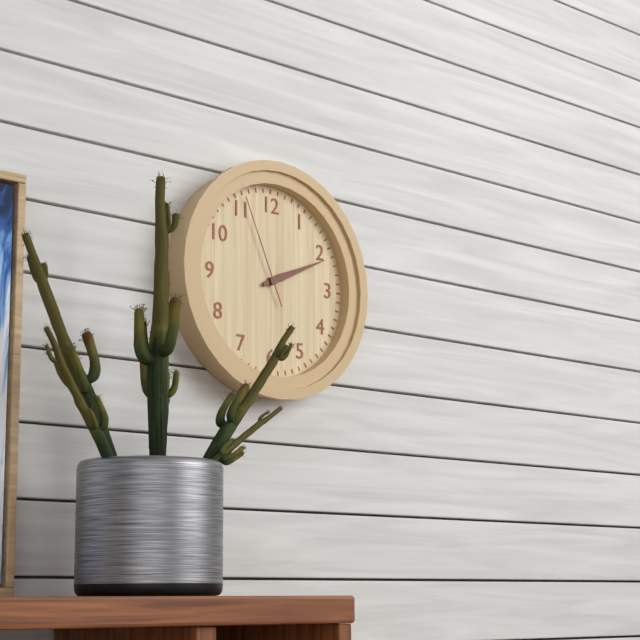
2:11:56
